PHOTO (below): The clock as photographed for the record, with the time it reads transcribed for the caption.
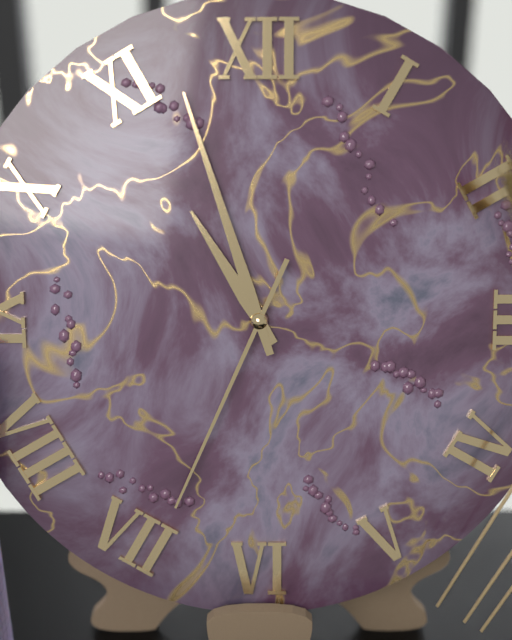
10:57:34
